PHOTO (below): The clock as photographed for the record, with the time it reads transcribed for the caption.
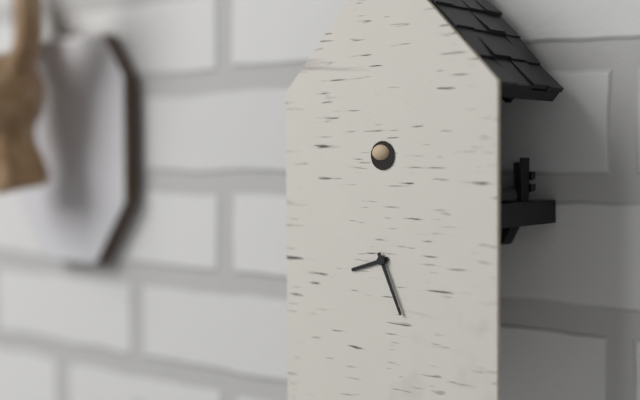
8:26
